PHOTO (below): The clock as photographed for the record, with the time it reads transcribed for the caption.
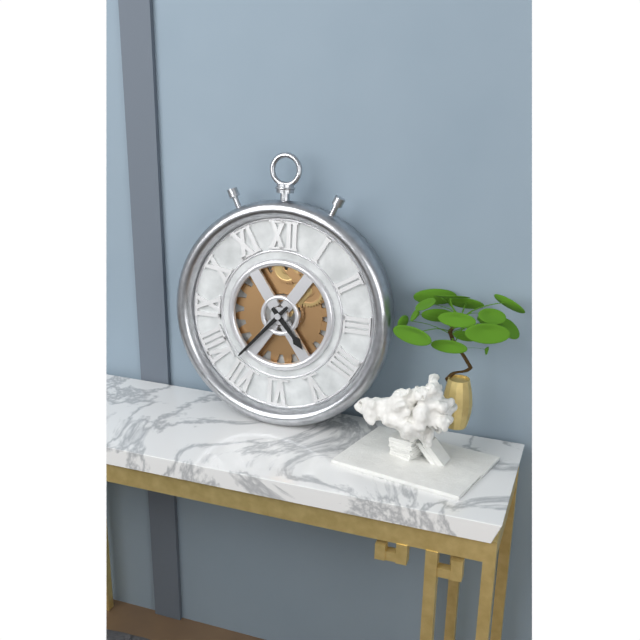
4:37
